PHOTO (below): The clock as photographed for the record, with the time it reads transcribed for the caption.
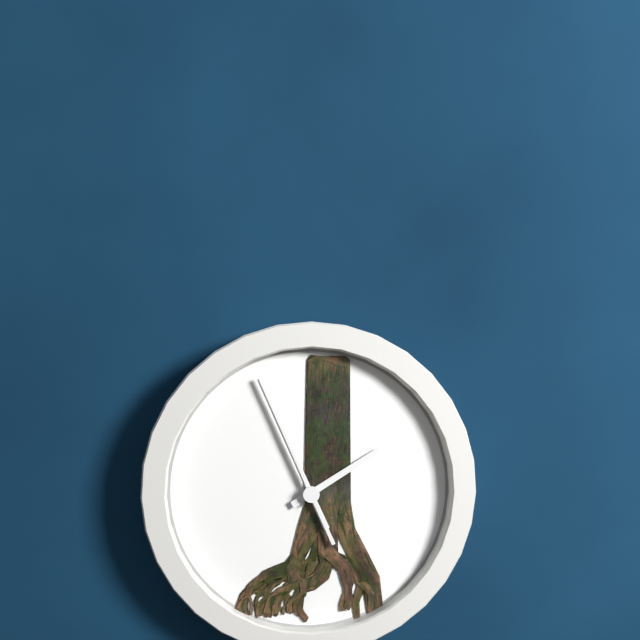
1:56:56
